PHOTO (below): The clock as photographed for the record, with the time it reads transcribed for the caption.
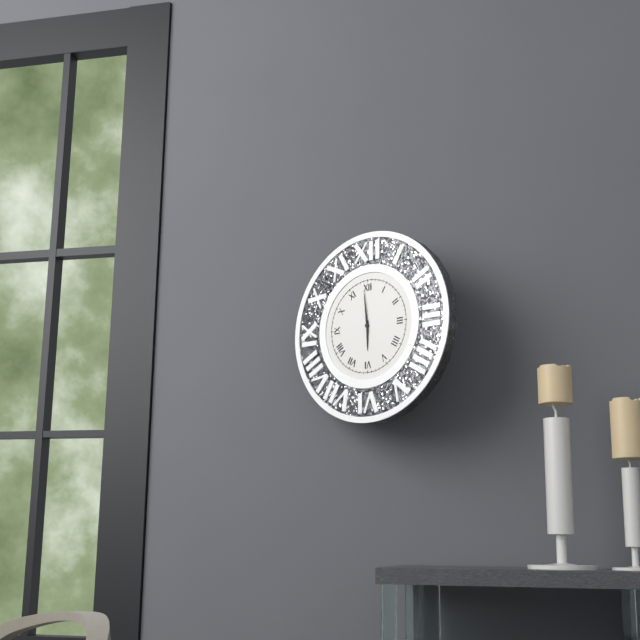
5:59
